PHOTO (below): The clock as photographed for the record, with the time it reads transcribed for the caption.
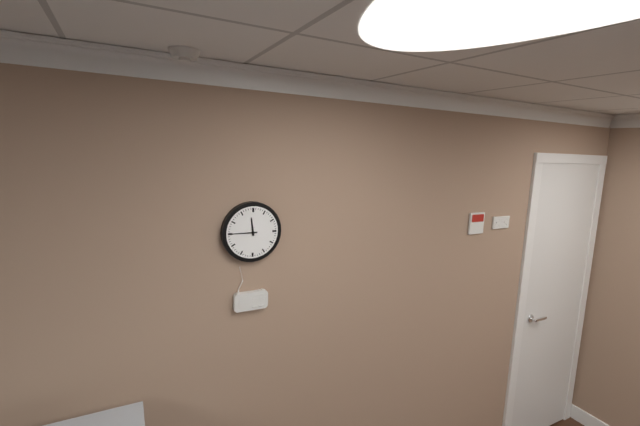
11:45
